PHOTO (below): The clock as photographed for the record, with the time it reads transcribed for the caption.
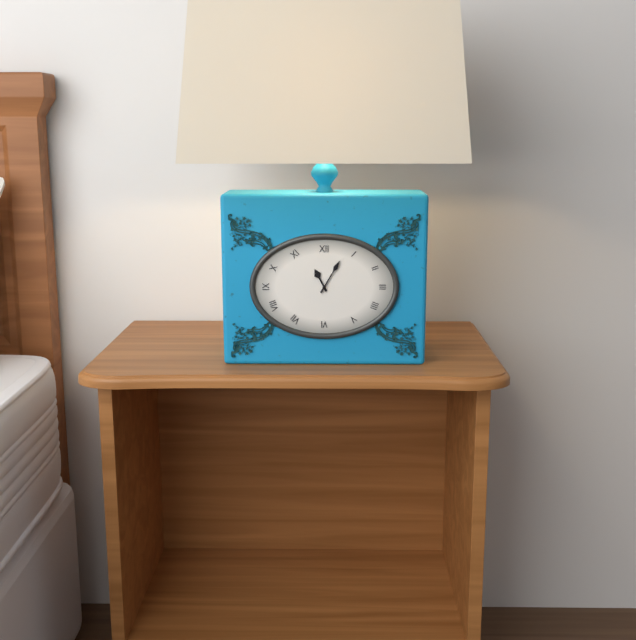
11:05
